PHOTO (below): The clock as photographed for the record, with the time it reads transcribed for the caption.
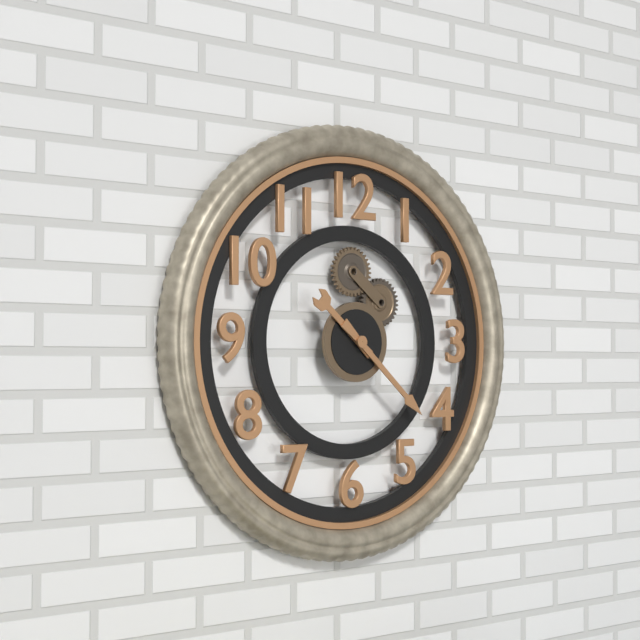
10:22
